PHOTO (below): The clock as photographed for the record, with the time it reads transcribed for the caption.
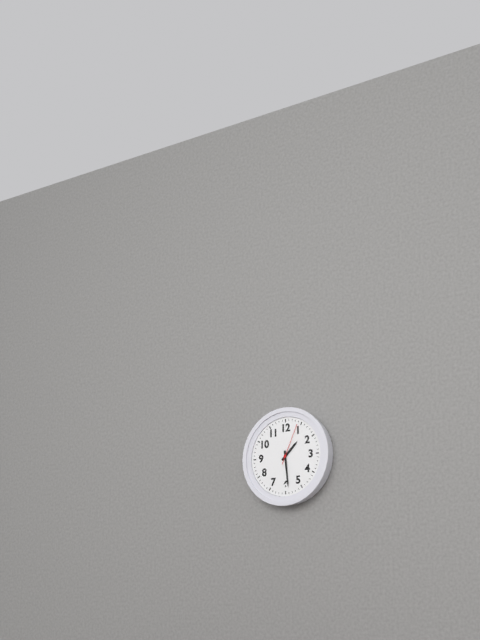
1:29
